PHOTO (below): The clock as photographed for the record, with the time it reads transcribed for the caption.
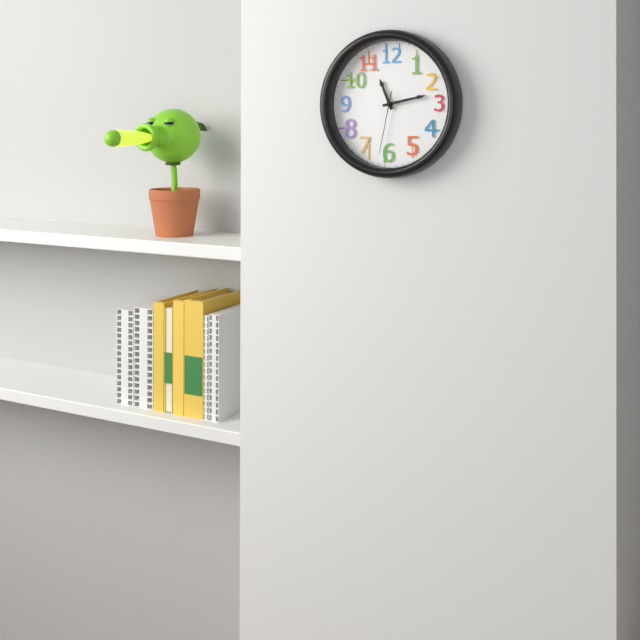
11:13:32
